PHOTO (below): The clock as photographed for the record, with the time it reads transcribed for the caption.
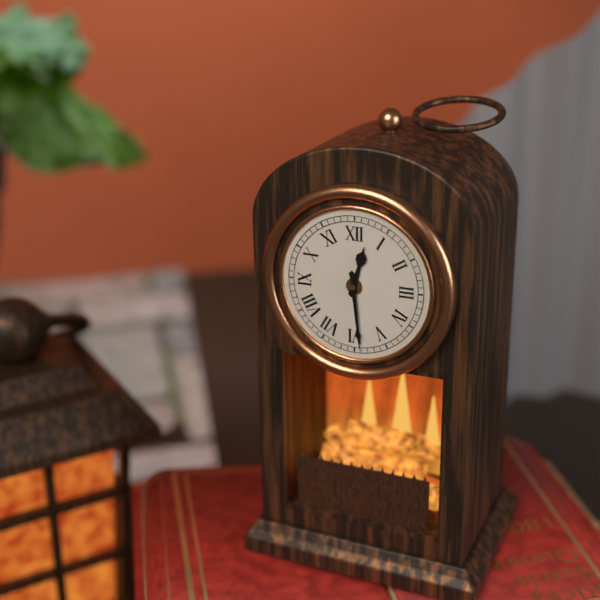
12:29
